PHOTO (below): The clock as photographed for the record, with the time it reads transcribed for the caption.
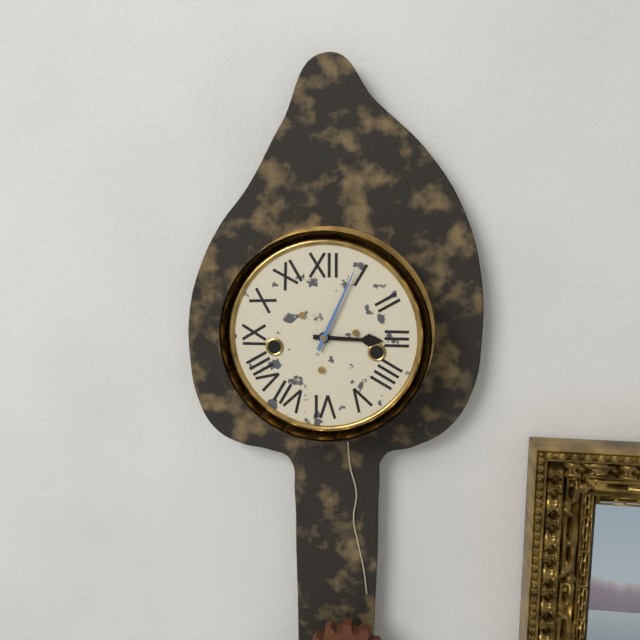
3:04
